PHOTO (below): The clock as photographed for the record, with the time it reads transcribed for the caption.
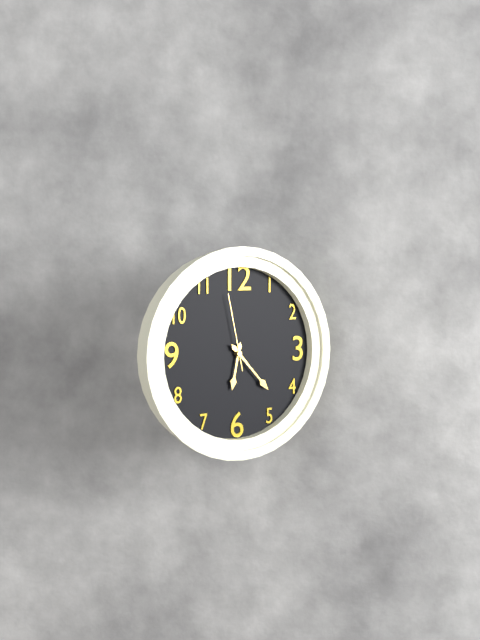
6:23:58
